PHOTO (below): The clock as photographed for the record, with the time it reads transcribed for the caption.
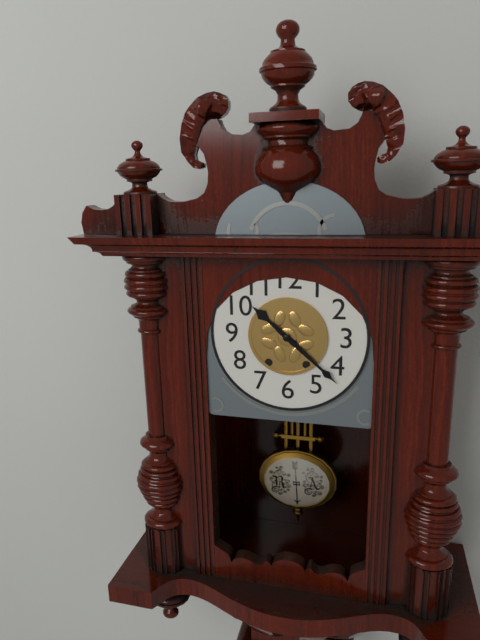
10:22
